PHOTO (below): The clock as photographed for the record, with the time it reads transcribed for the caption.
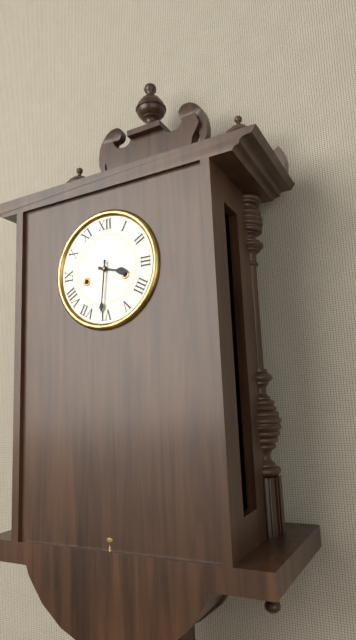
3:31
